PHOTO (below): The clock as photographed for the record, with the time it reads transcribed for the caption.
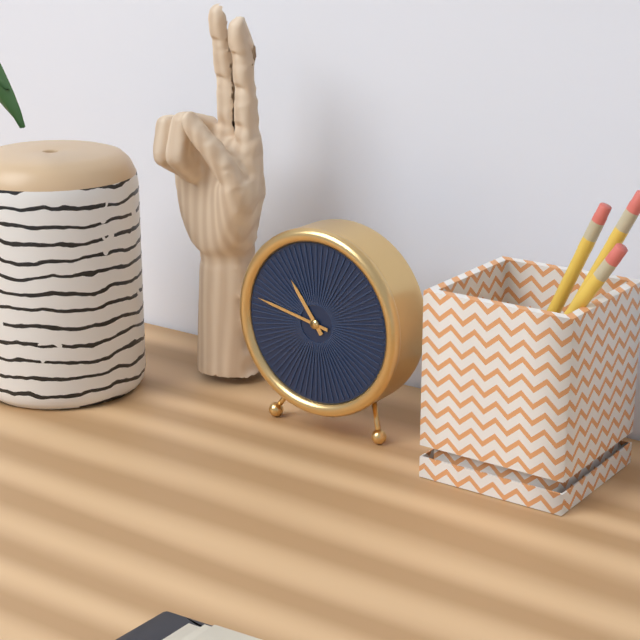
10:47
